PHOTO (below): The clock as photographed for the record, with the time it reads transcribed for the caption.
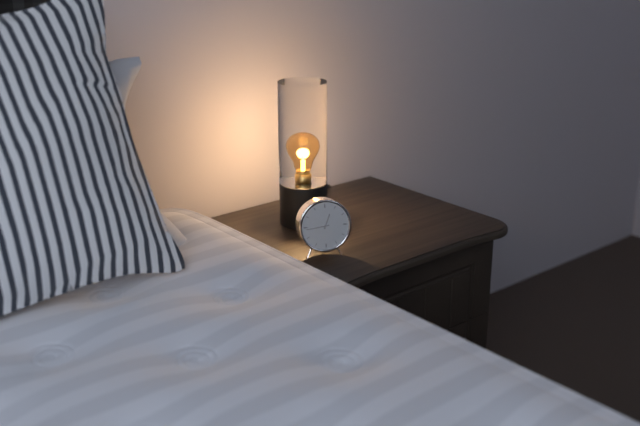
12:44
